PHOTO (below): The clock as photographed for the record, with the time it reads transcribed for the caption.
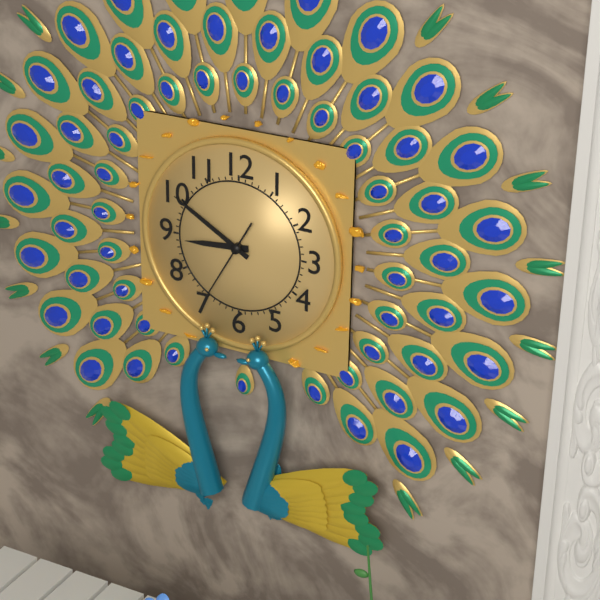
8:50:35
